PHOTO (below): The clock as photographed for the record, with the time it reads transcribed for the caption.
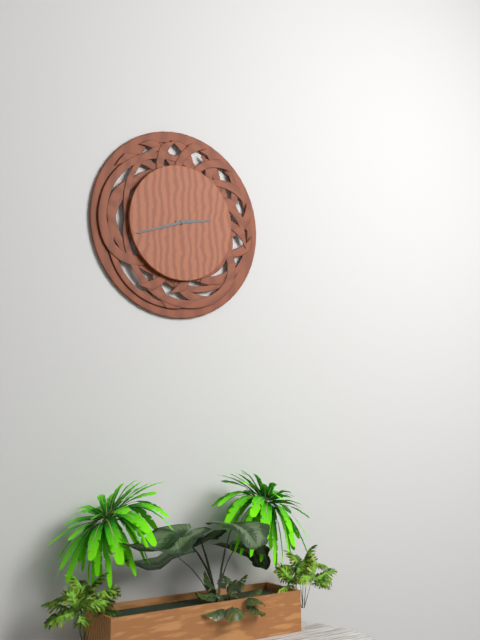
2:42
